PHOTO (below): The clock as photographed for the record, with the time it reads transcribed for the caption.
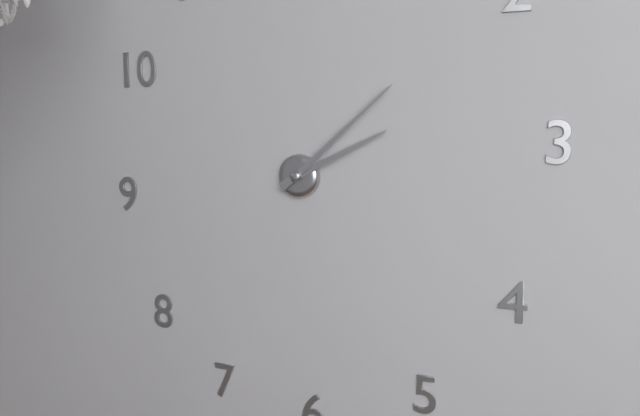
2:08
